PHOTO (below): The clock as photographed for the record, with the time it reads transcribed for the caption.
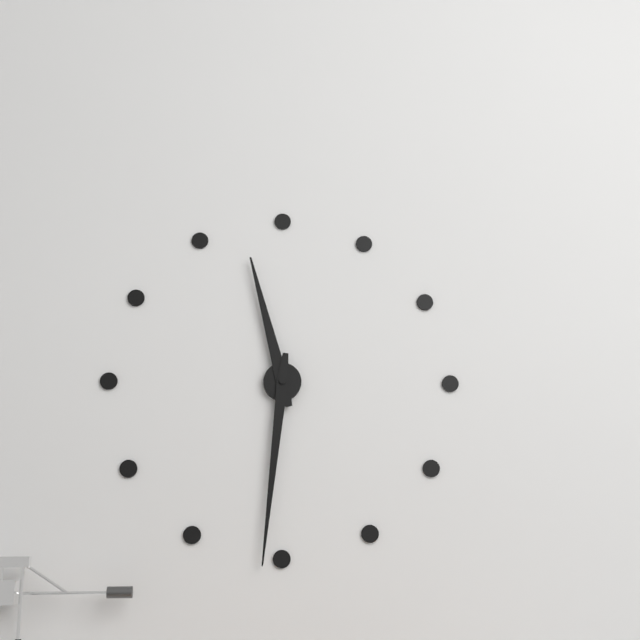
11:31
